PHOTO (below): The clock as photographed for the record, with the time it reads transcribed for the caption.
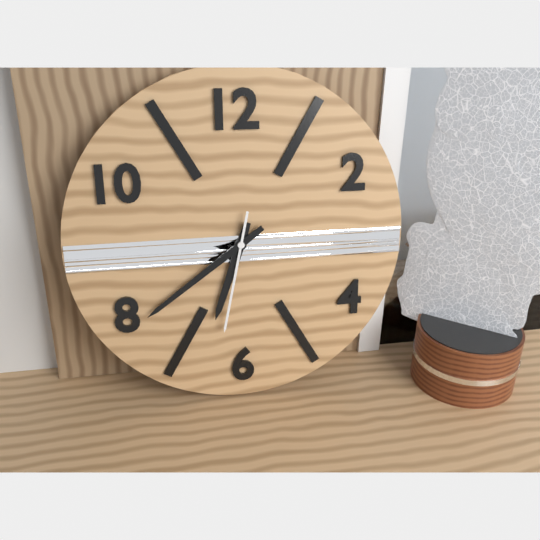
6:39:32
